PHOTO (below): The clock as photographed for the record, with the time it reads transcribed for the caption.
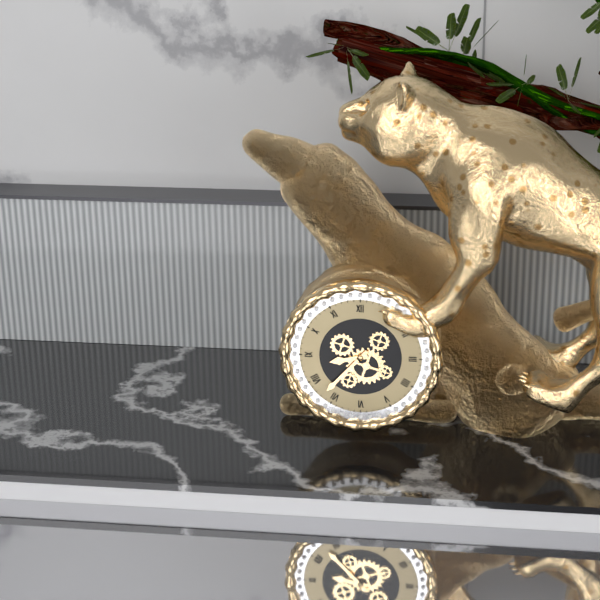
8:37
